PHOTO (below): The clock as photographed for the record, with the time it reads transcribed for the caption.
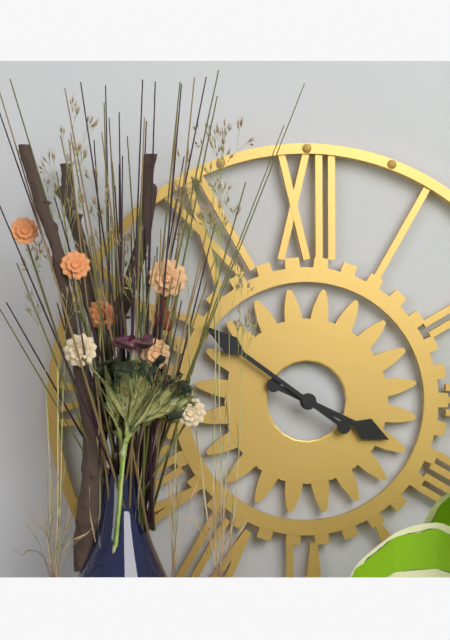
3:51
